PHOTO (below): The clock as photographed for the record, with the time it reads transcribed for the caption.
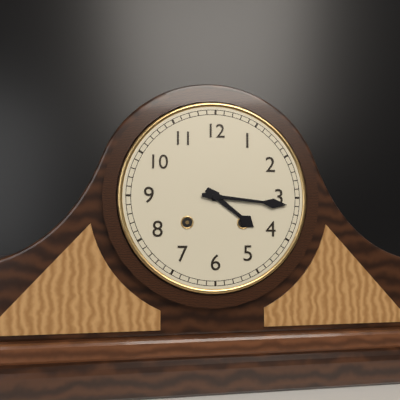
4:16
